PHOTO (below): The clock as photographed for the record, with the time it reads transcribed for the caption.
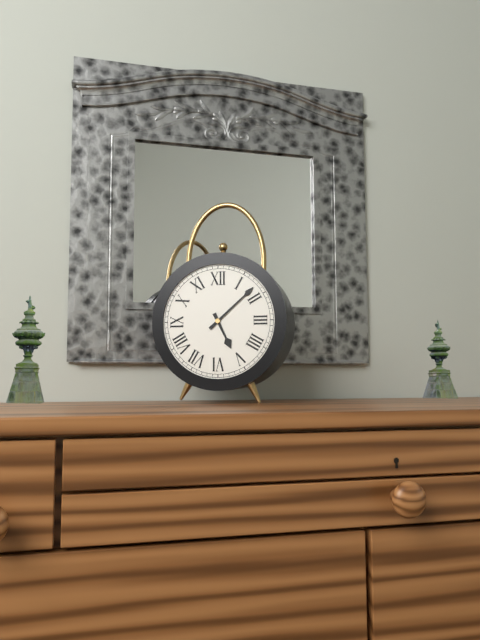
5:08
